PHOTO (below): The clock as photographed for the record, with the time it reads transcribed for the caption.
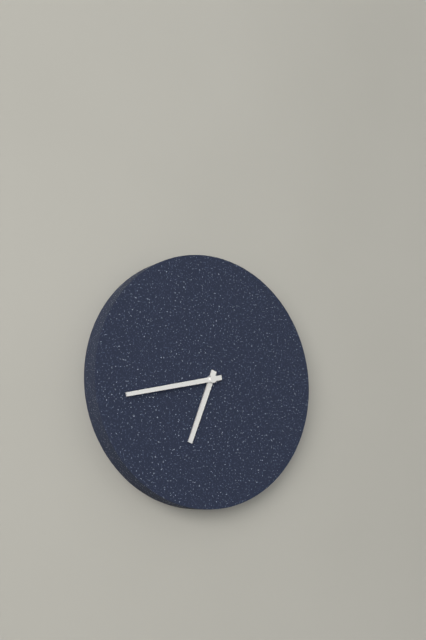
6:43
